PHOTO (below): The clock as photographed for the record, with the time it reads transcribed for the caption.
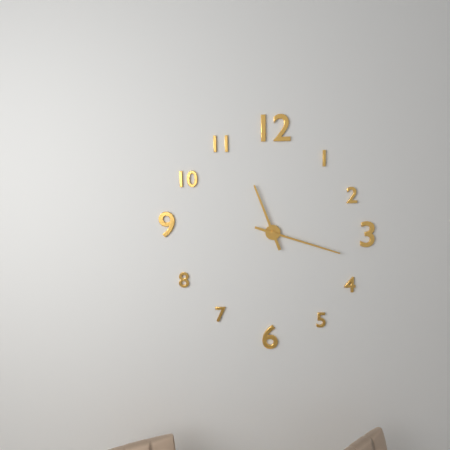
11:18
